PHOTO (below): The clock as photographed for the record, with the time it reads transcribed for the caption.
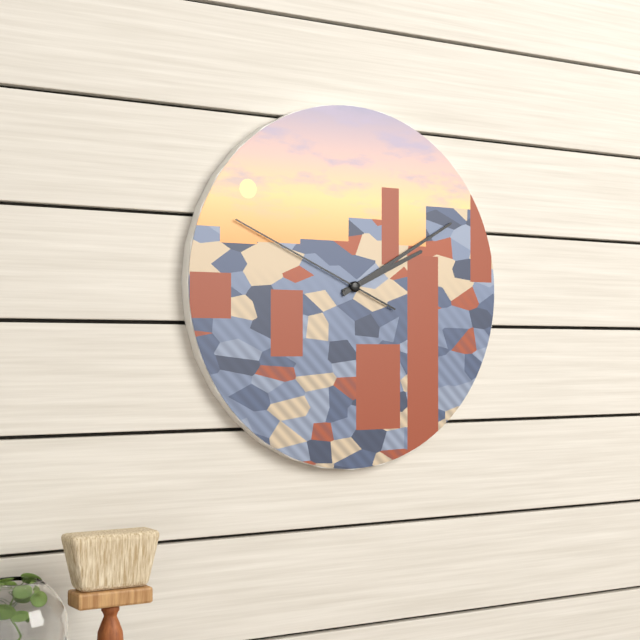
2:10:49
